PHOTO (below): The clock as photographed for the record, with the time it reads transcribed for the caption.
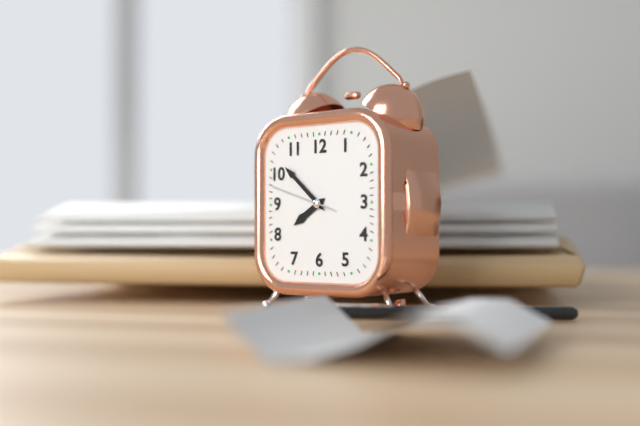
7:52:48
